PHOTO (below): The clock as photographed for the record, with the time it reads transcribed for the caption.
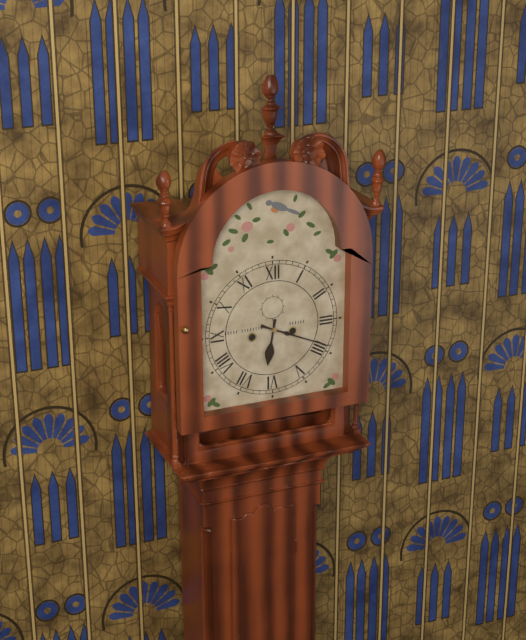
6:19
